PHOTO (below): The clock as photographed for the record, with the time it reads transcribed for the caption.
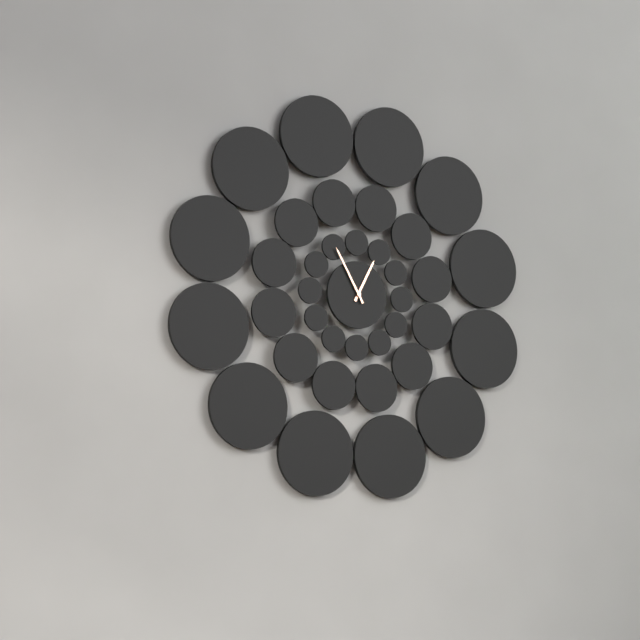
12:55
